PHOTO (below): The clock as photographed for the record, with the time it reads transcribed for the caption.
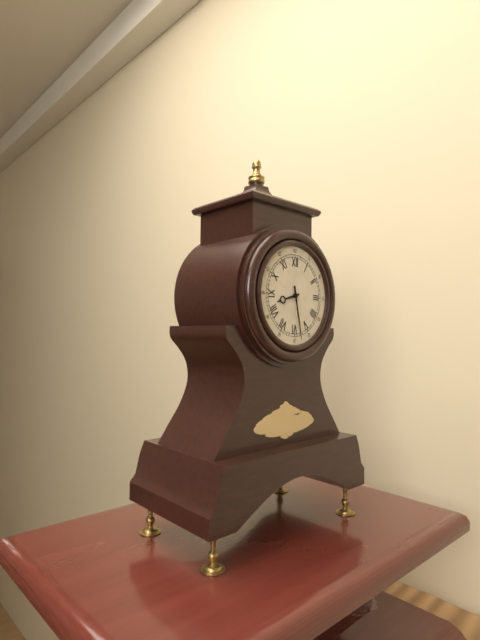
8:28
